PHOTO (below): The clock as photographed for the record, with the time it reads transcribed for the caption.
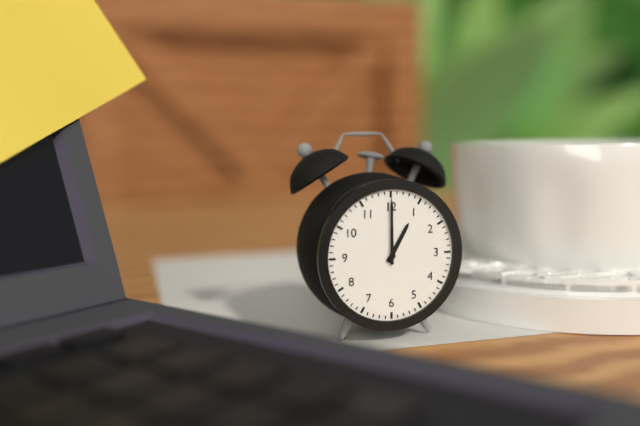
1:00
